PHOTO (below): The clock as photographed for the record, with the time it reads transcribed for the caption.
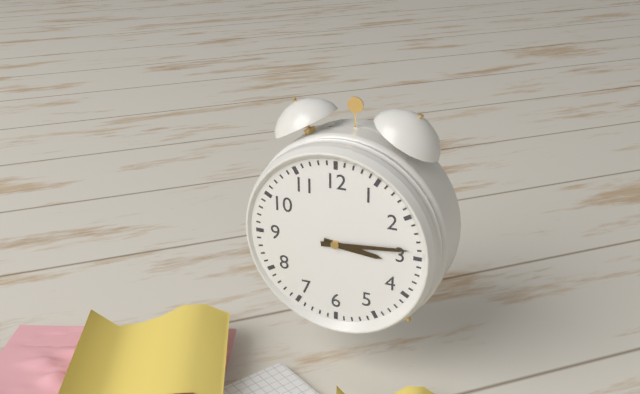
3:14
